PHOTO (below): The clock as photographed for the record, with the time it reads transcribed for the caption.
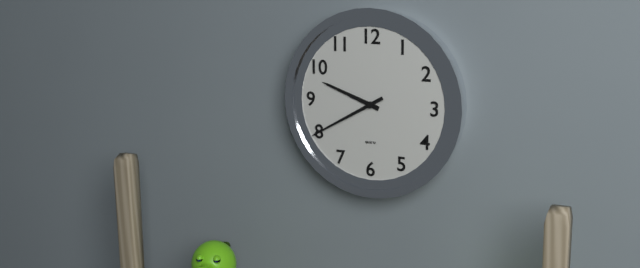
9:40
